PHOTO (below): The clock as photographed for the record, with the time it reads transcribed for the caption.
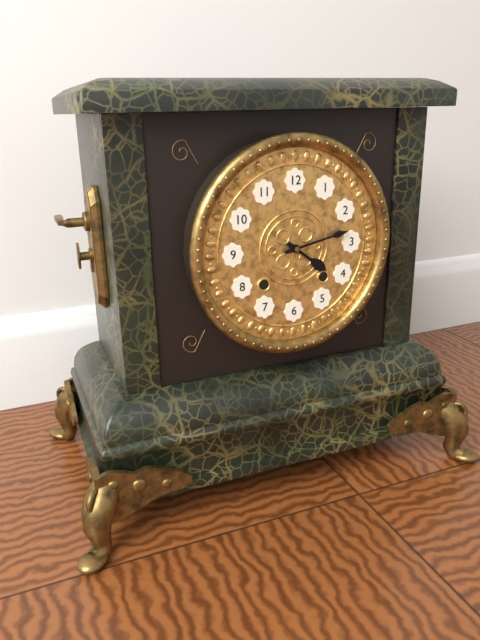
4:13
